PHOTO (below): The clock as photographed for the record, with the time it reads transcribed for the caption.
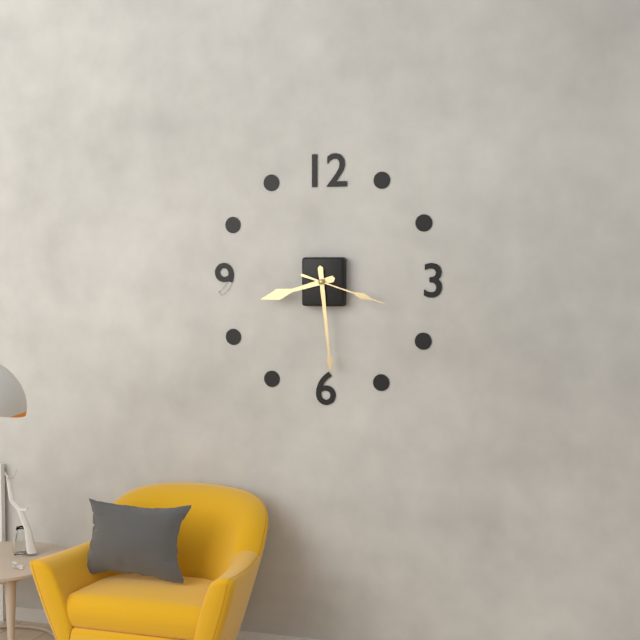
8:29:18
